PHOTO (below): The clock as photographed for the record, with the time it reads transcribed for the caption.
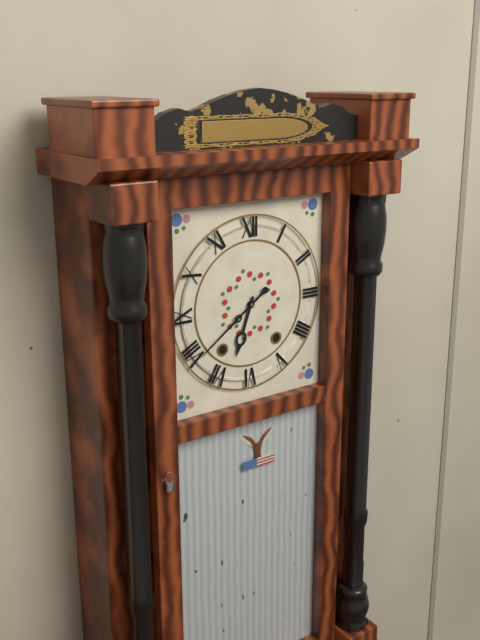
6:39
